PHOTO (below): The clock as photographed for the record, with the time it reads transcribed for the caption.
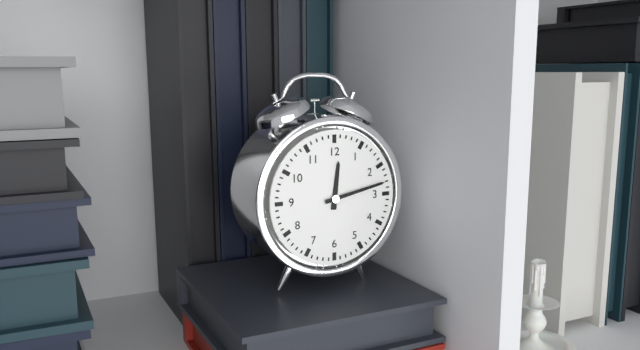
12:13
